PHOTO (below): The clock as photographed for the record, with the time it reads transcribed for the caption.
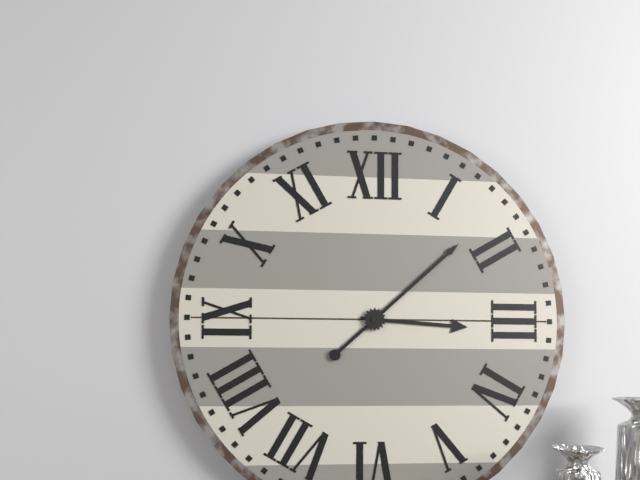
3:08
